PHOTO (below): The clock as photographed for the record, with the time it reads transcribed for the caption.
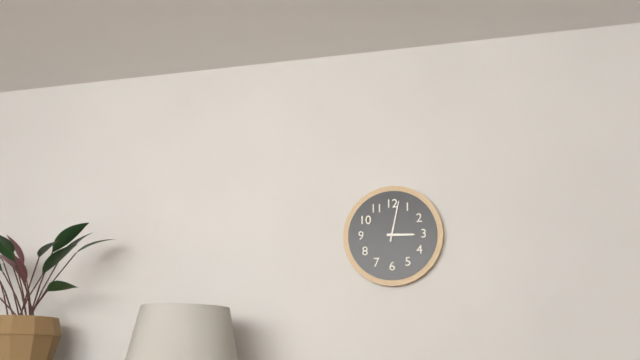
3:02
